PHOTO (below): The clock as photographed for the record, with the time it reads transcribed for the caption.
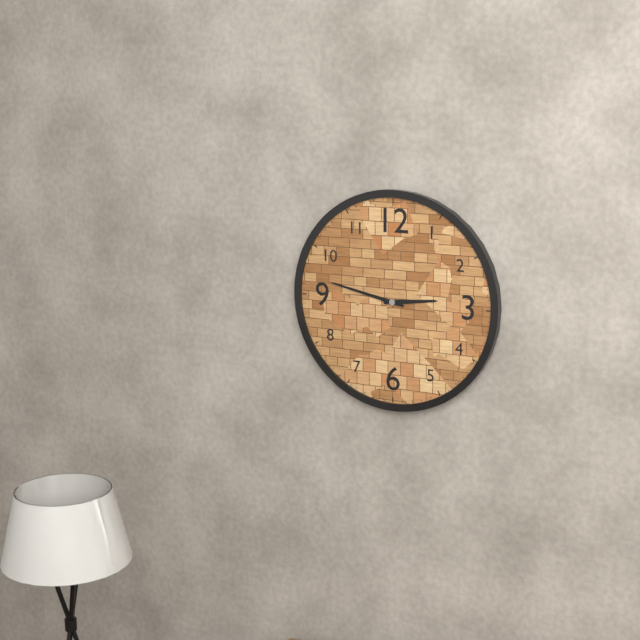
2:47
